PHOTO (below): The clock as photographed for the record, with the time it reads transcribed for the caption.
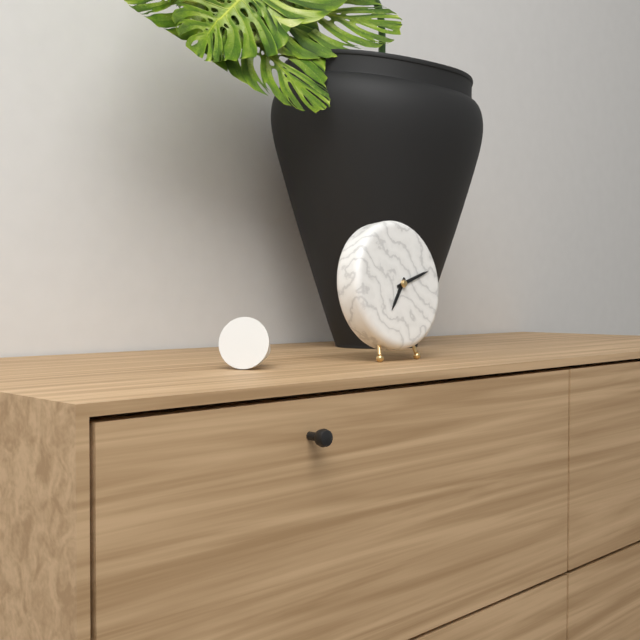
7:12
